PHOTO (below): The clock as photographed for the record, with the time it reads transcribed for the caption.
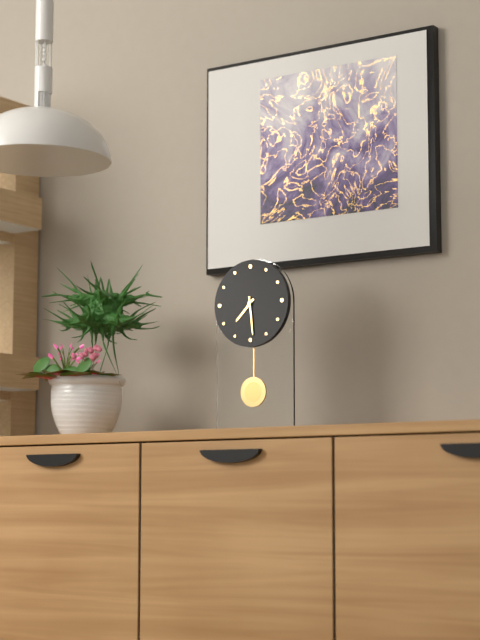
7:29
